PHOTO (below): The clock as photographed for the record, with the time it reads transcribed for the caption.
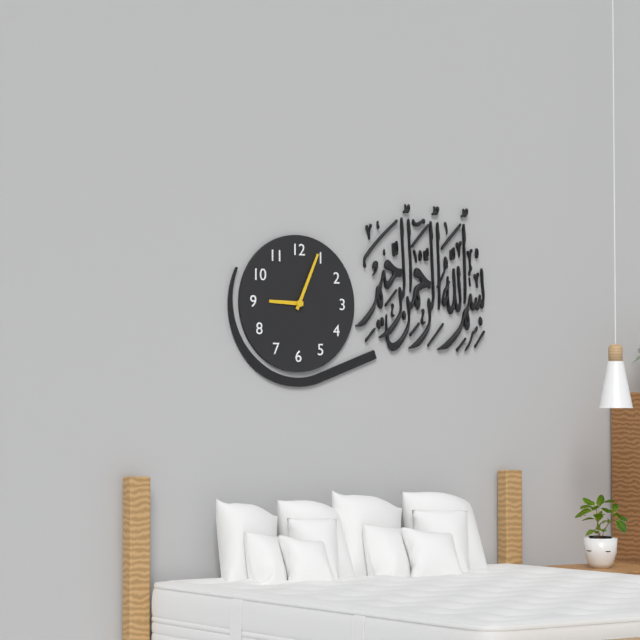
9:04
